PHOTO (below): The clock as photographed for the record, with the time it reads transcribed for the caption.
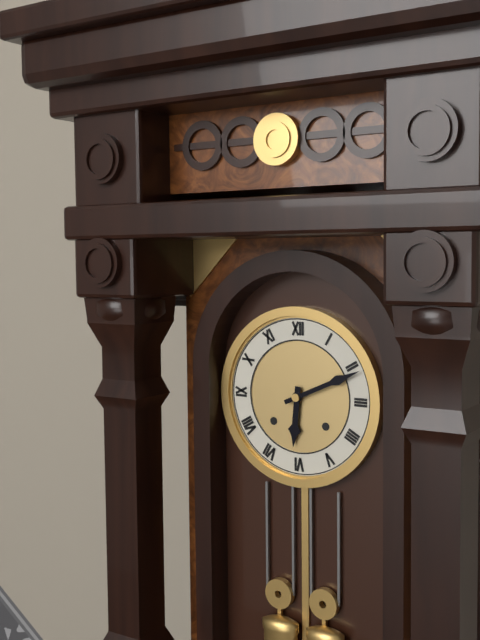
6:11
